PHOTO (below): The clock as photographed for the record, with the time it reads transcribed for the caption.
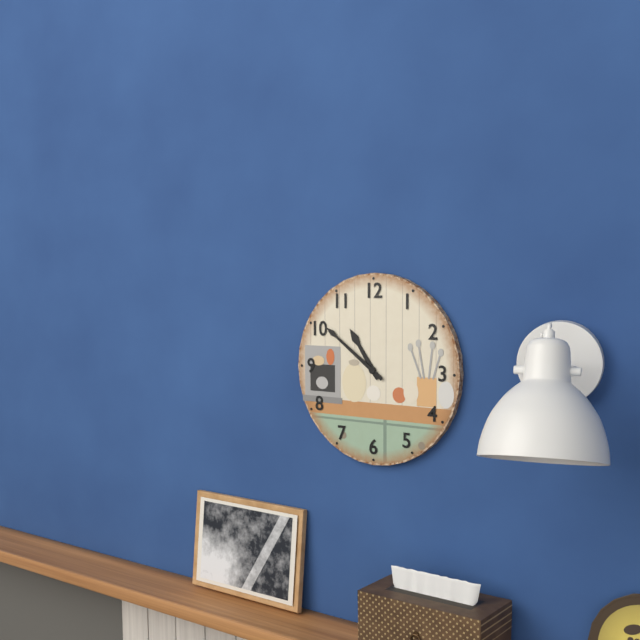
10:51
